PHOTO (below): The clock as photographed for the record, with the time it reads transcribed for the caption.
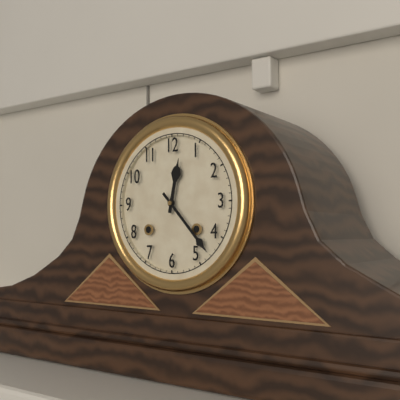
12:23
